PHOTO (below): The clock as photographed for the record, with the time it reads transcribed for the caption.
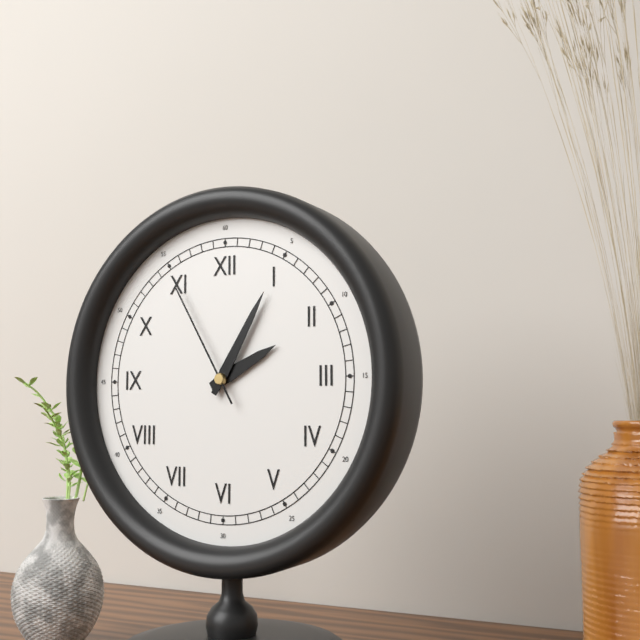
2:05:55
